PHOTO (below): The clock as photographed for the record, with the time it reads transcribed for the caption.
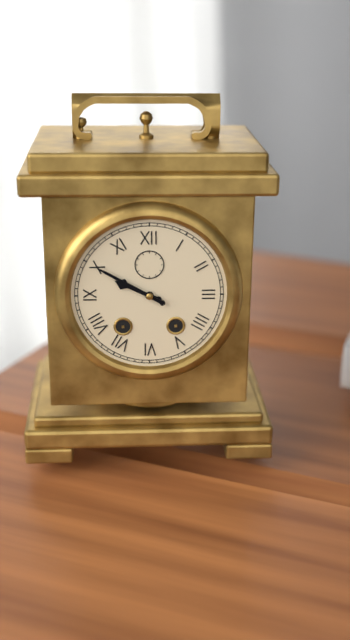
9:50
